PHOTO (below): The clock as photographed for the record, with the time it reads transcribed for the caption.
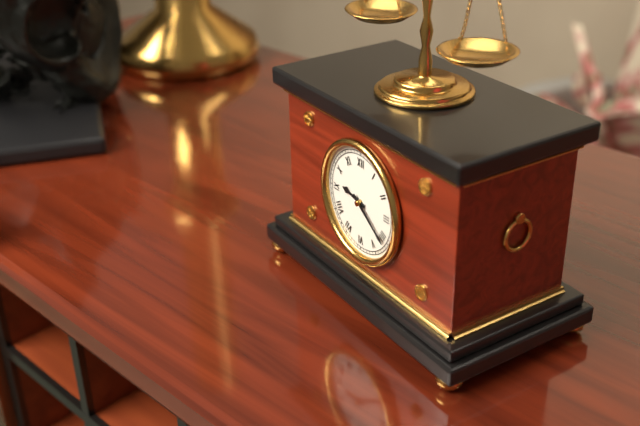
9:21
